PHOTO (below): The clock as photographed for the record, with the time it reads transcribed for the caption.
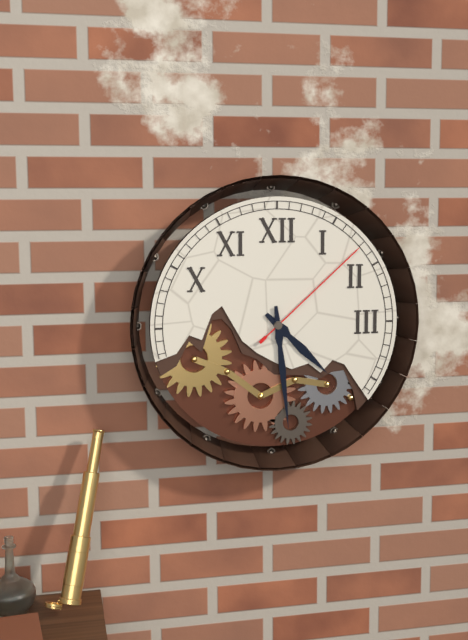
4:29:08
